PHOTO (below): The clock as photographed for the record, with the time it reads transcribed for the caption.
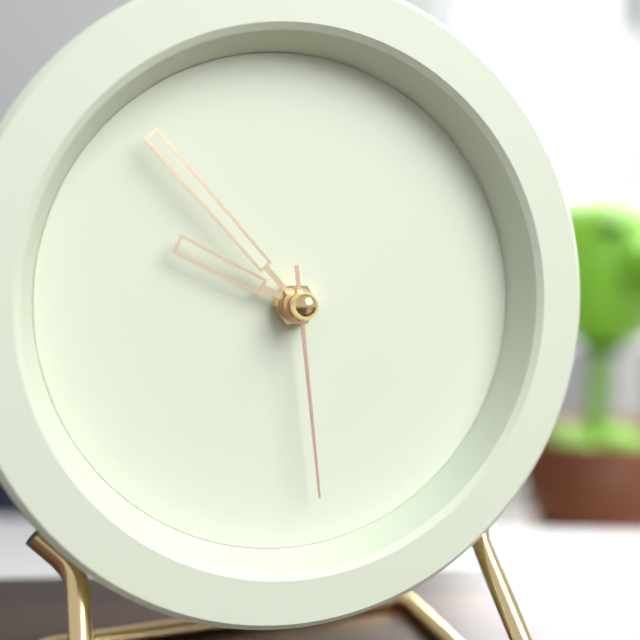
9:53:29
